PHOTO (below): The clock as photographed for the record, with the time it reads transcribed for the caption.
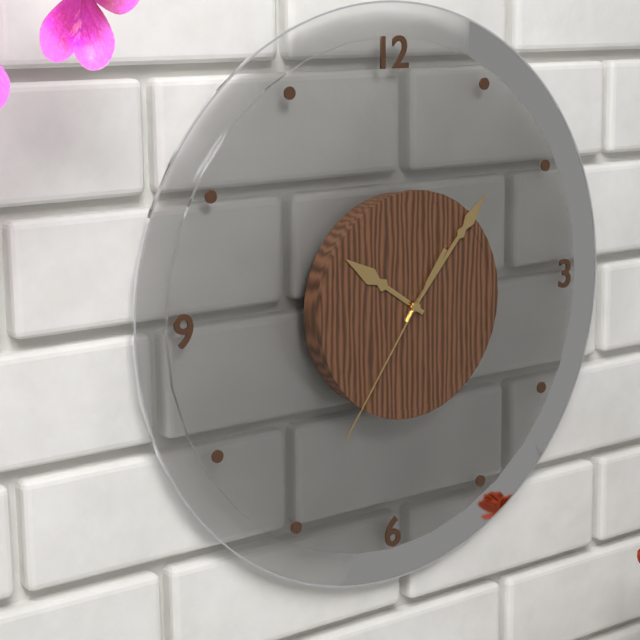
10:07:36
